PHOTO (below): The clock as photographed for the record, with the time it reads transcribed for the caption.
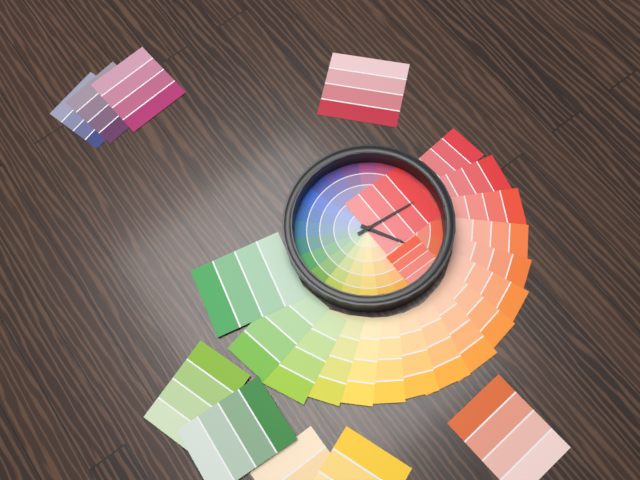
2:01
